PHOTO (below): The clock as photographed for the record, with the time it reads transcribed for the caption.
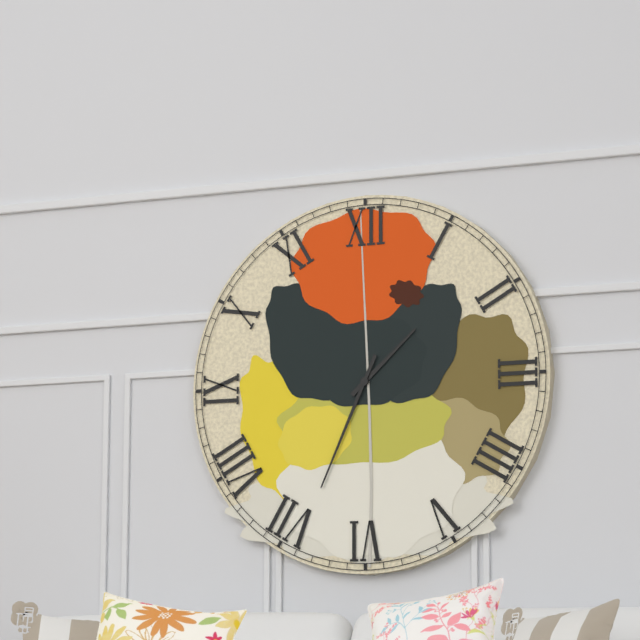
1:34
